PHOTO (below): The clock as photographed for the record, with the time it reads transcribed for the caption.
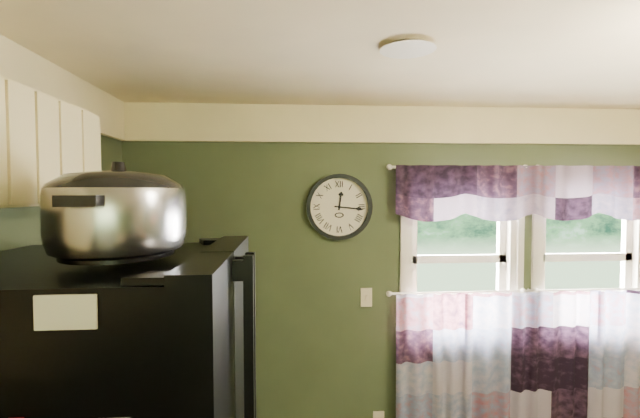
12:16
